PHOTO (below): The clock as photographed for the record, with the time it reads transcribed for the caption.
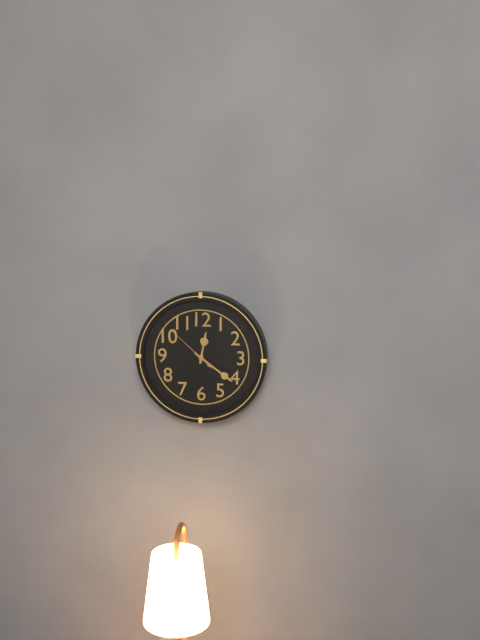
12:21:52
